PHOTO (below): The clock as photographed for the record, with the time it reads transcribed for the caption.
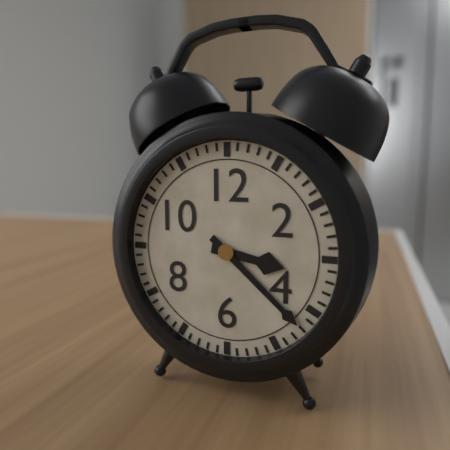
3:22
